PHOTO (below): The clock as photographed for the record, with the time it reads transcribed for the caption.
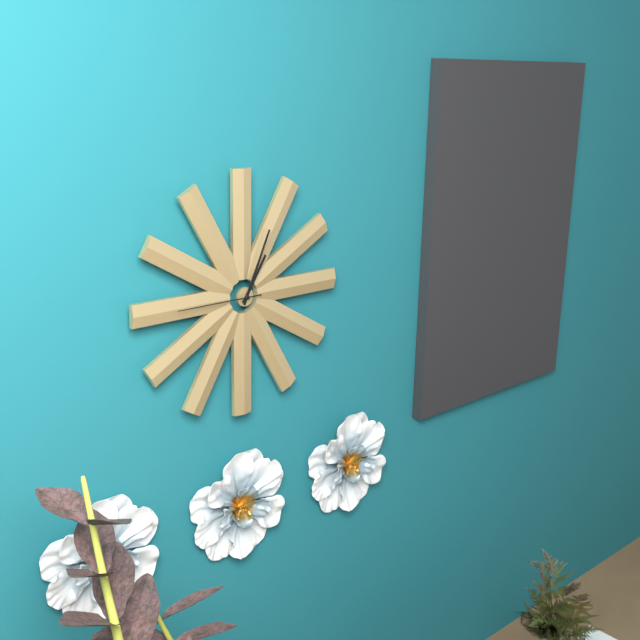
1:04:45
